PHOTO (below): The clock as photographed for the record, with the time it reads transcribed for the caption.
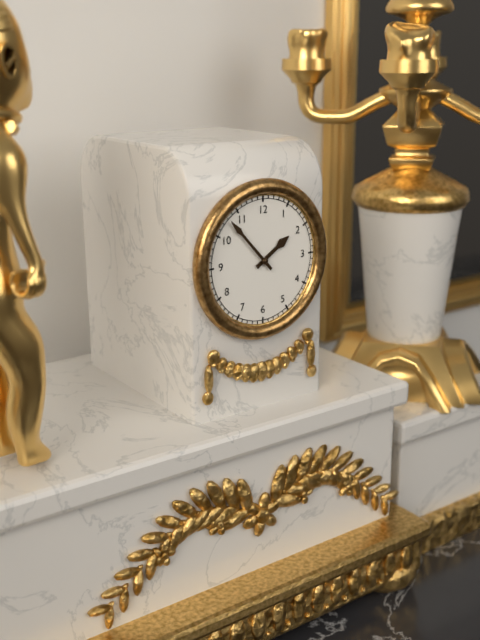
1:53
